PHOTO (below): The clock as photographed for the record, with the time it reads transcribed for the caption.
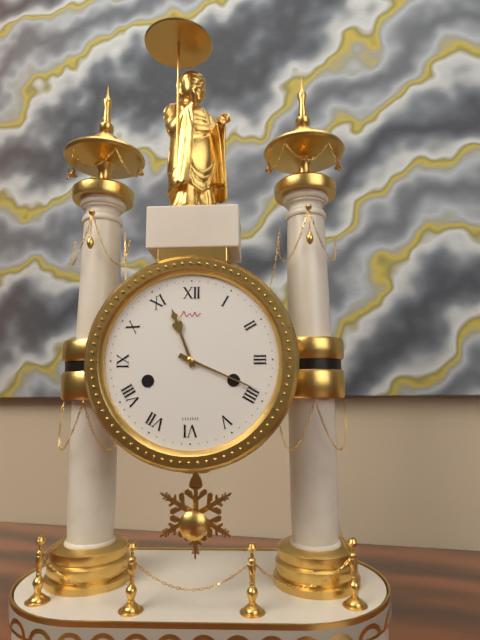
11:19
